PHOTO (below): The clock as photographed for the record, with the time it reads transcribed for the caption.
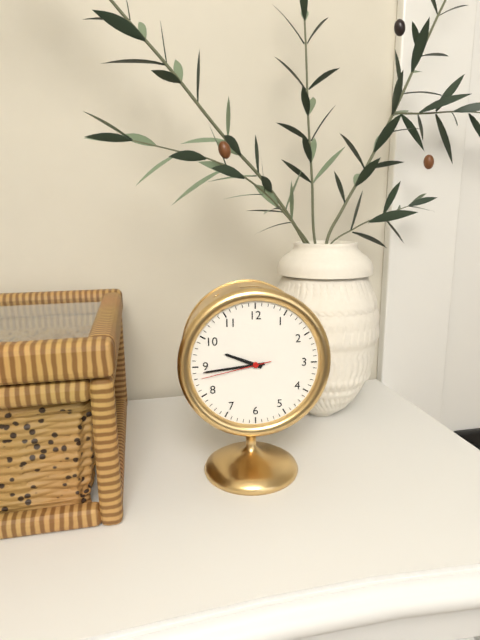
9:44:43
